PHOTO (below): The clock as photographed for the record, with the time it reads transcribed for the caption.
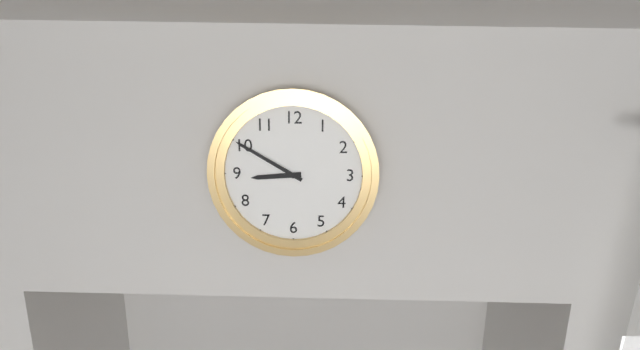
8:50
